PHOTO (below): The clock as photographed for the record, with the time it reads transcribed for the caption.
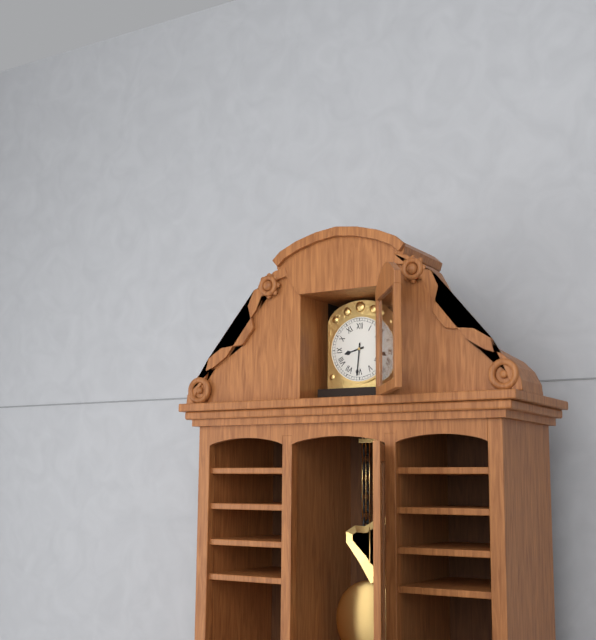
8:31
